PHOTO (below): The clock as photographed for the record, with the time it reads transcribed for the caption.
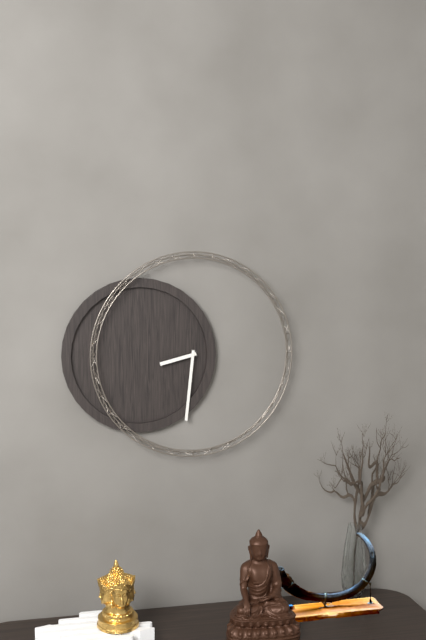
8:31
